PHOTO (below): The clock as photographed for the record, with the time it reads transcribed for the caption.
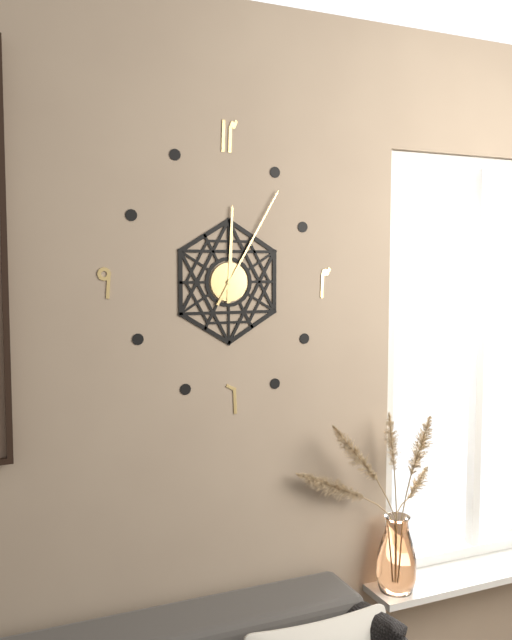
12:05
